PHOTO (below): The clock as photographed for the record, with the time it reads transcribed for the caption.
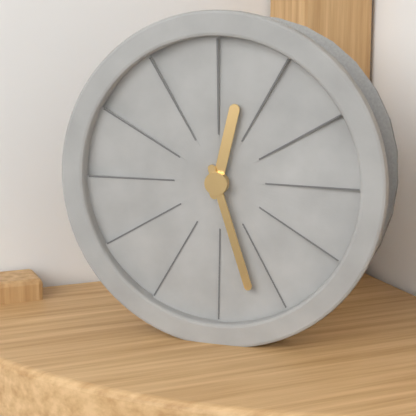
12:27
